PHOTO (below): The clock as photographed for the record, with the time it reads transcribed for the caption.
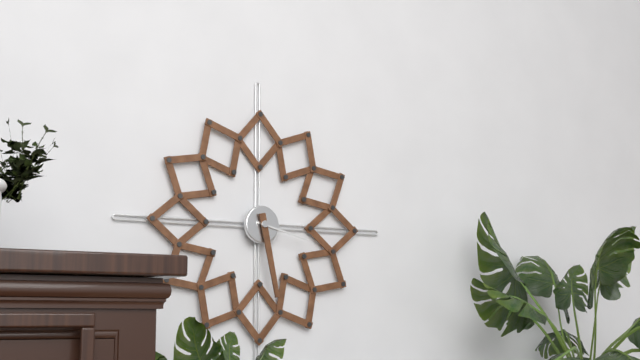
3:28
